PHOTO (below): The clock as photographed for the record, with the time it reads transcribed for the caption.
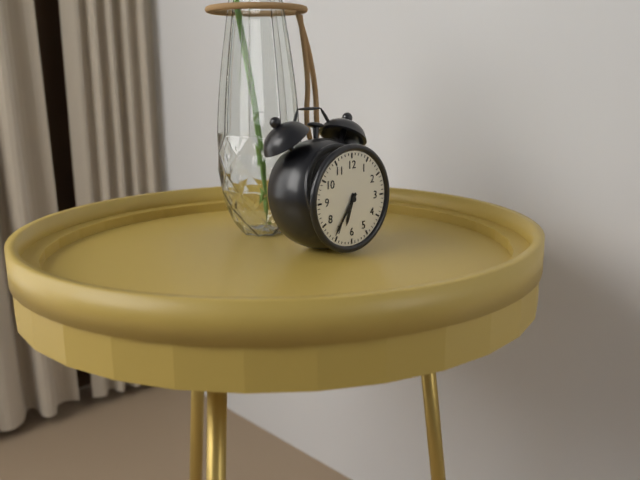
6:36
